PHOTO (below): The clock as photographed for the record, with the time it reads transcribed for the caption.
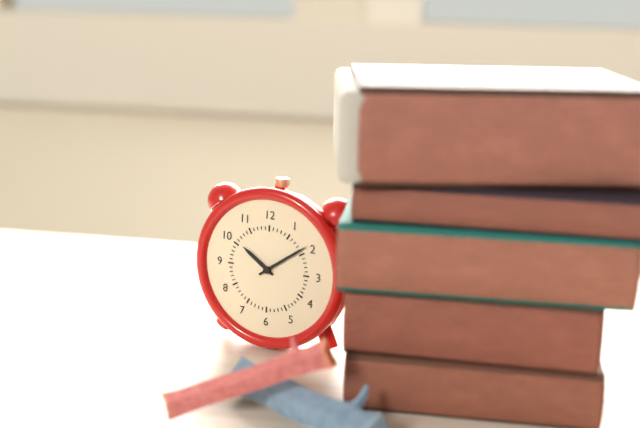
10:09
